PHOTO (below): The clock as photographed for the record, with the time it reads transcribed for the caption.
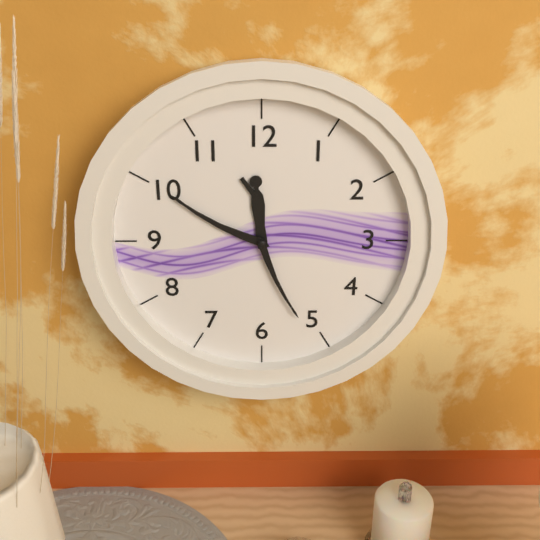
11:50:26
